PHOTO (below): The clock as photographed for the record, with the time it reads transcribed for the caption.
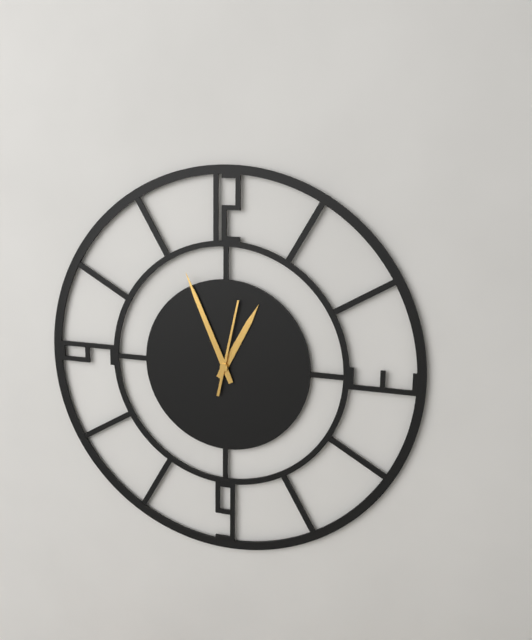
12:56:02
